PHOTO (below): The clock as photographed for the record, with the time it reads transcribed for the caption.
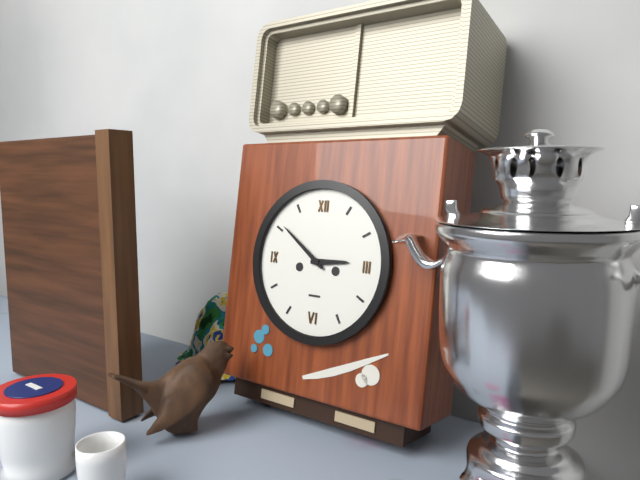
2:51
